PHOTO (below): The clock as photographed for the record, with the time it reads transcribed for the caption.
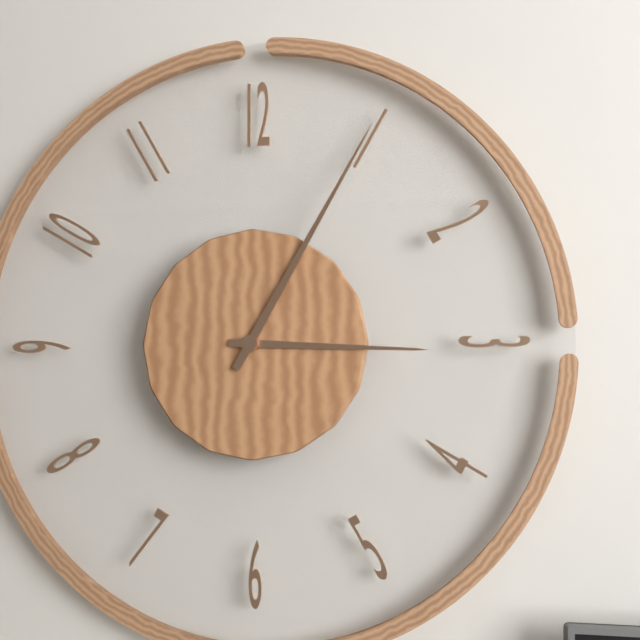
3:05
